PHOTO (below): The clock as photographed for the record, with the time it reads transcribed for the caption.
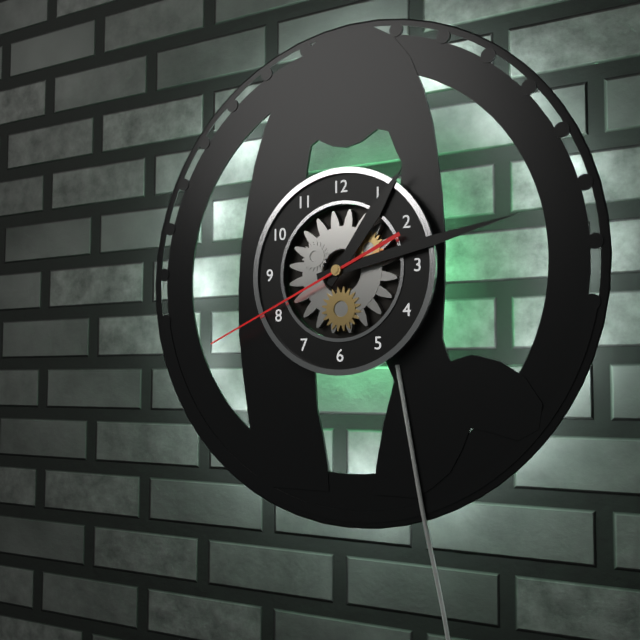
1:13:41
